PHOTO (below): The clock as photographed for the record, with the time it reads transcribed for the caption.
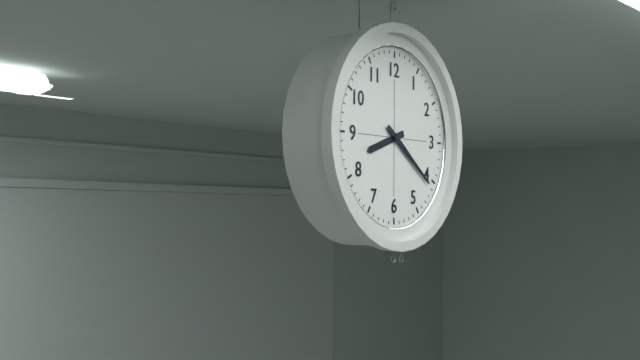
8:21
